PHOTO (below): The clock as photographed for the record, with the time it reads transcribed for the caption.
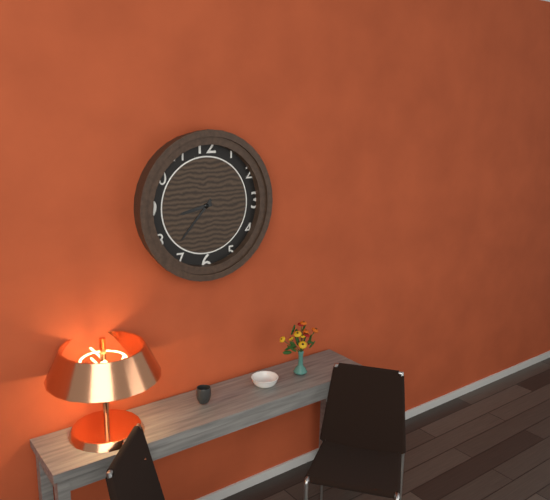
8:37
